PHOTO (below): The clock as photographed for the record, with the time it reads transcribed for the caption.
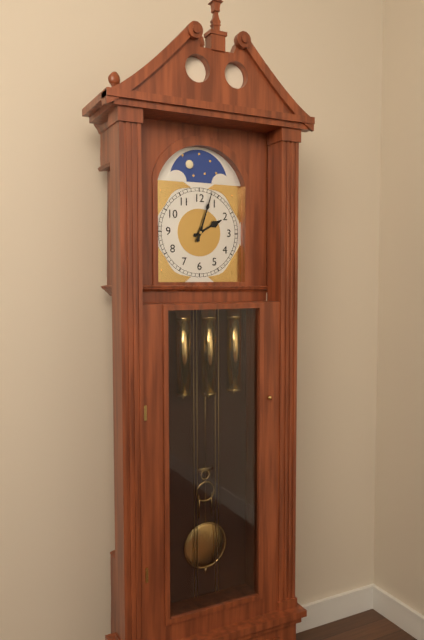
2:03
